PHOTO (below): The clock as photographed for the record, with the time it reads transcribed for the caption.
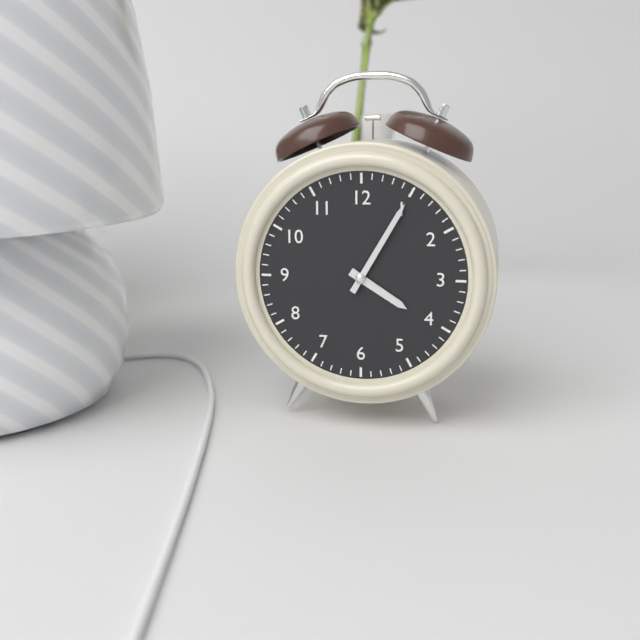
4:05
